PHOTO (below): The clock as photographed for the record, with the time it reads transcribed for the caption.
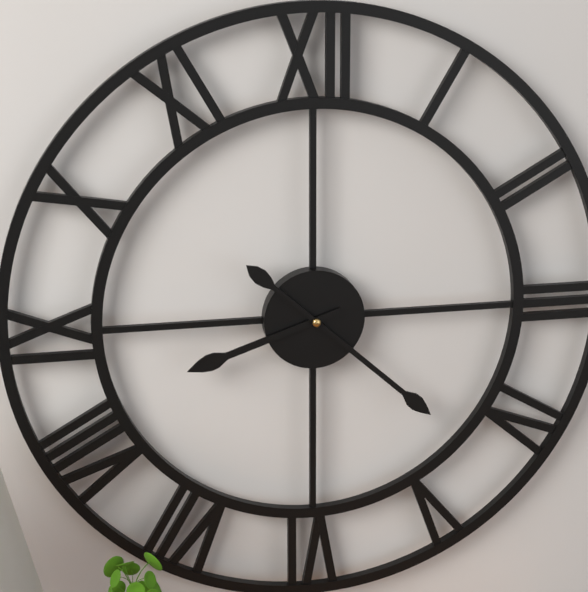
8:22
